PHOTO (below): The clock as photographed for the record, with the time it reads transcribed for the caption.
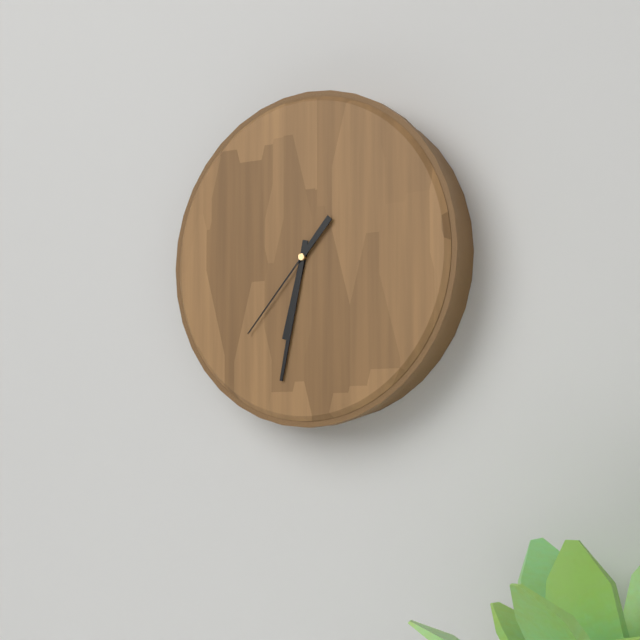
6:32:37
